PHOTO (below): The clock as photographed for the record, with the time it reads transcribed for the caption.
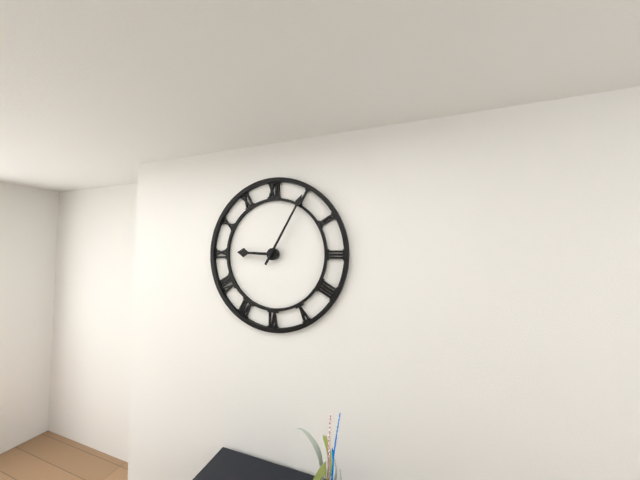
9:05
